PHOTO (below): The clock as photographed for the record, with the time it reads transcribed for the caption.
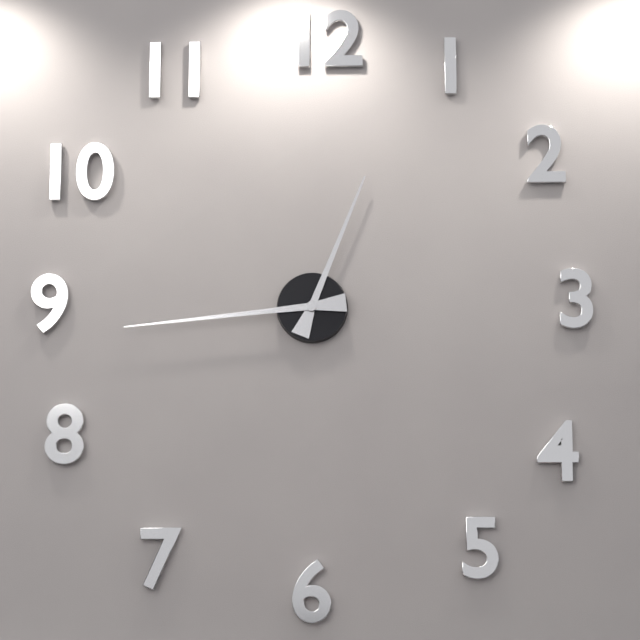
12:44
